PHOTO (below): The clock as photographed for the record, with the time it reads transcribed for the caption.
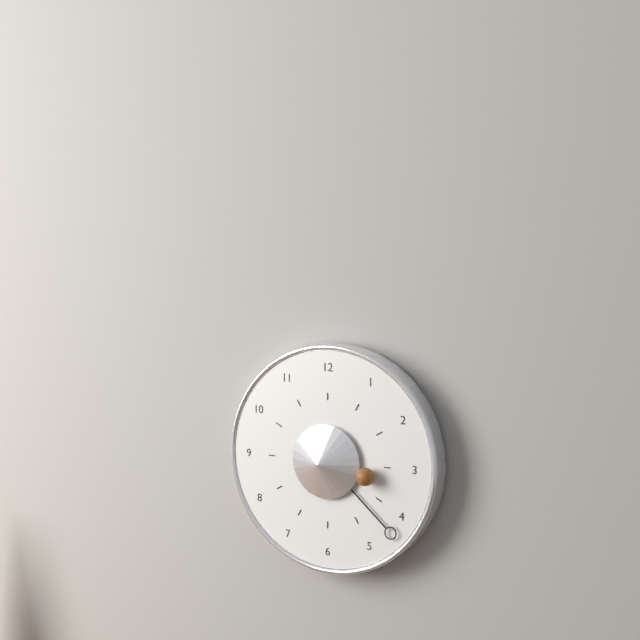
3:22
